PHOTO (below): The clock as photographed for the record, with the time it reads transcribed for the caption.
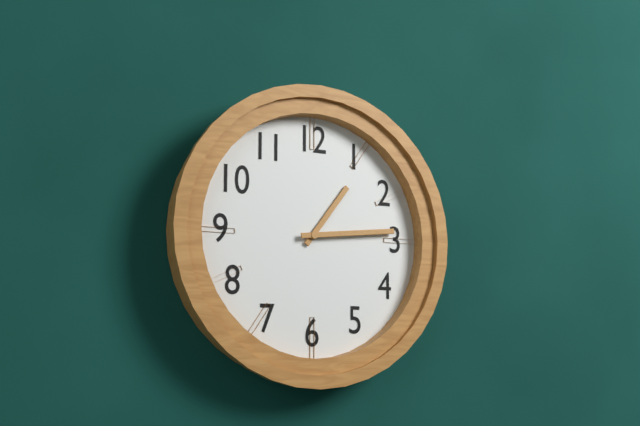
1:14
